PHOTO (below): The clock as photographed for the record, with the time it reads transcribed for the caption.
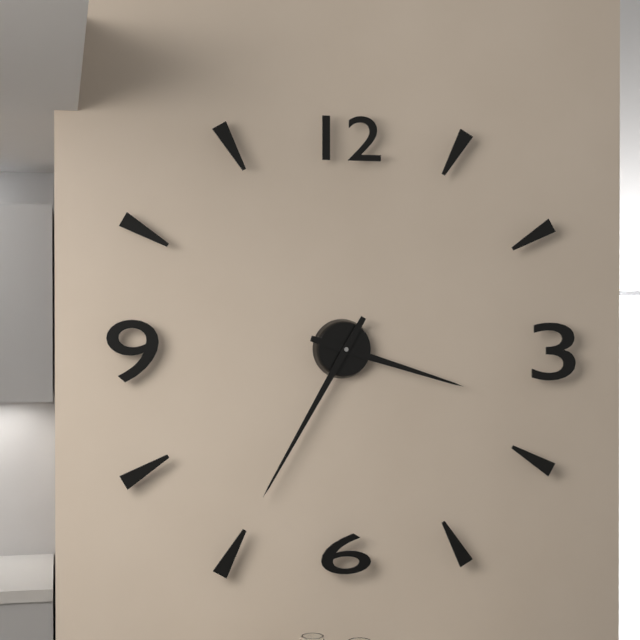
3:35
